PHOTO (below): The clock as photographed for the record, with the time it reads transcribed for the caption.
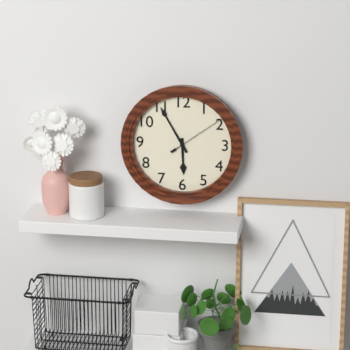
5:55:09
